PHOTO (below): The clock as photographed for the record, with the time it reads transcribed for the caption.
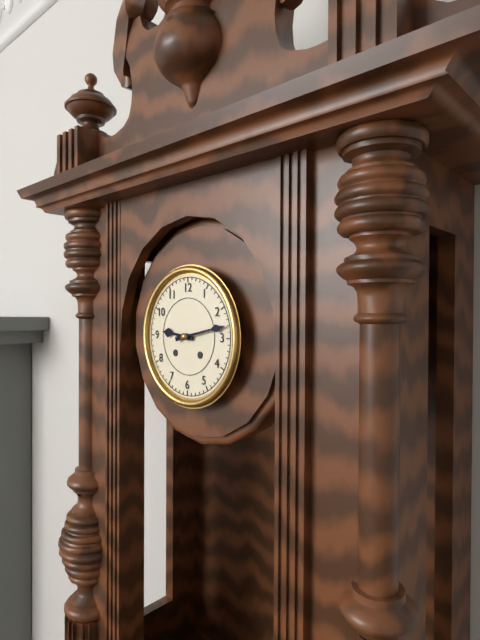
9:13
